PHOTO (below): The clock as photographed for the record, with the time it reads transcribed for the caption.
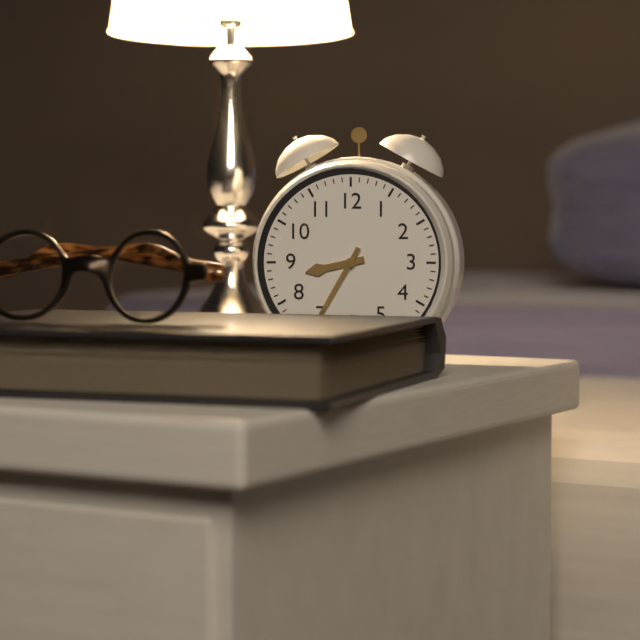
8:35
